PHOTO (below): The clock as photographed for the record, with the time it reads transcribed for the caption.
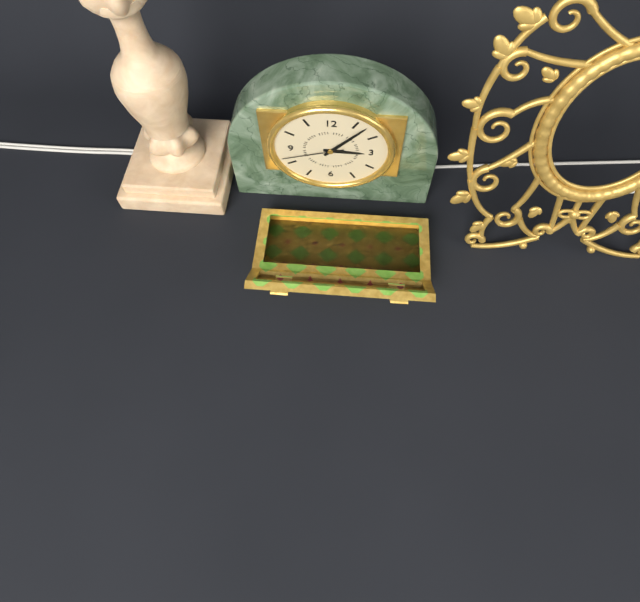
3:07:42
